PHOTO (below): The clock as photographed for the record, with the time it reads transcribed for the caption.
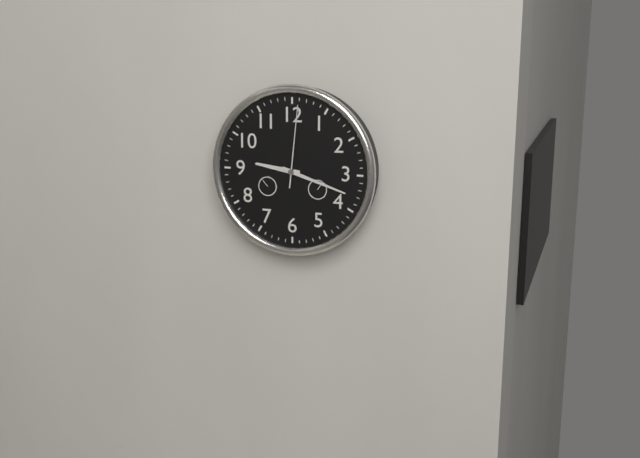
9:18:01
